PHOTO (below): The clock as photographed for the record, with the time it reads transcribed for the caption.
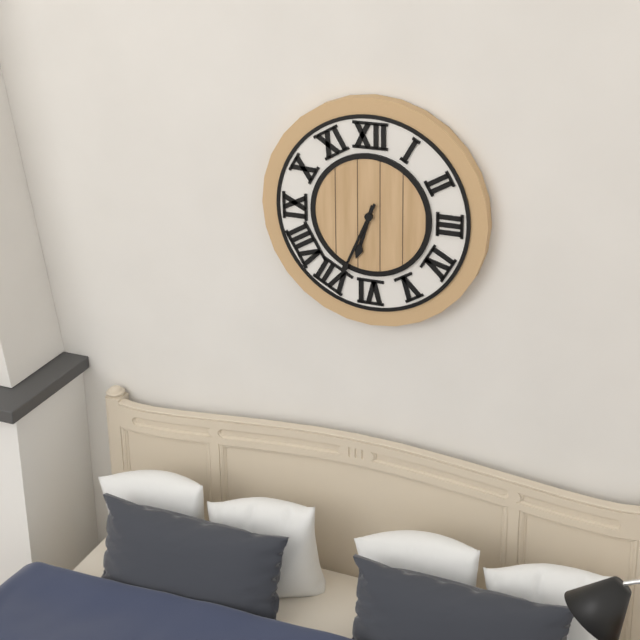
6:34
